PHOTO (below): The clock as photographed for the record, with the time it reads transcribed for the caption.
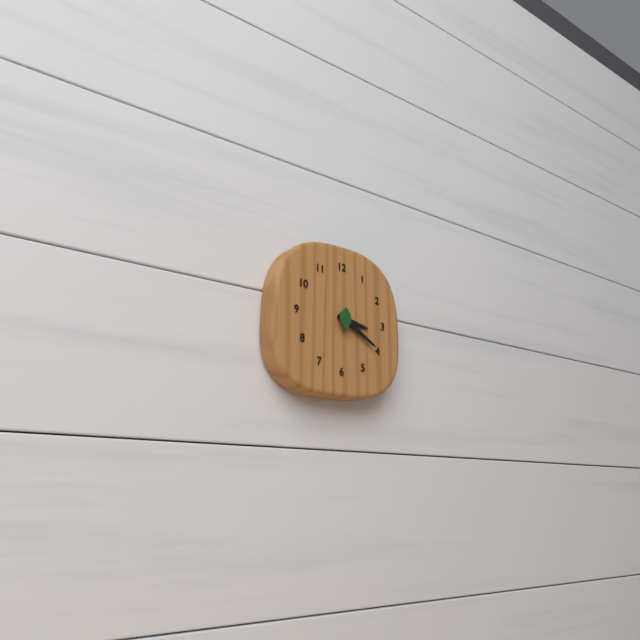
3:20
